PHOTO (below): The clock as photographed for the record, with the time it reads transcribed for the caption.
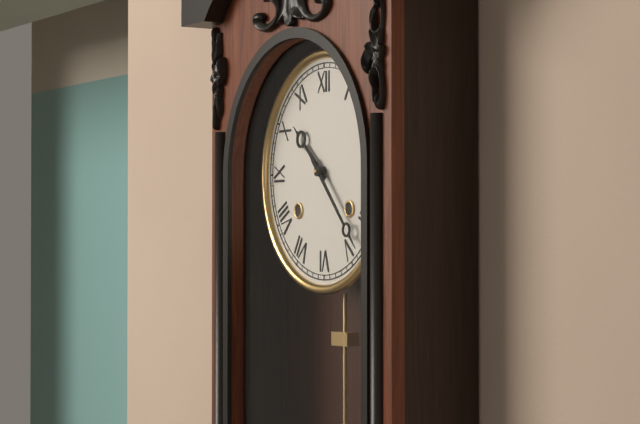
10:23
